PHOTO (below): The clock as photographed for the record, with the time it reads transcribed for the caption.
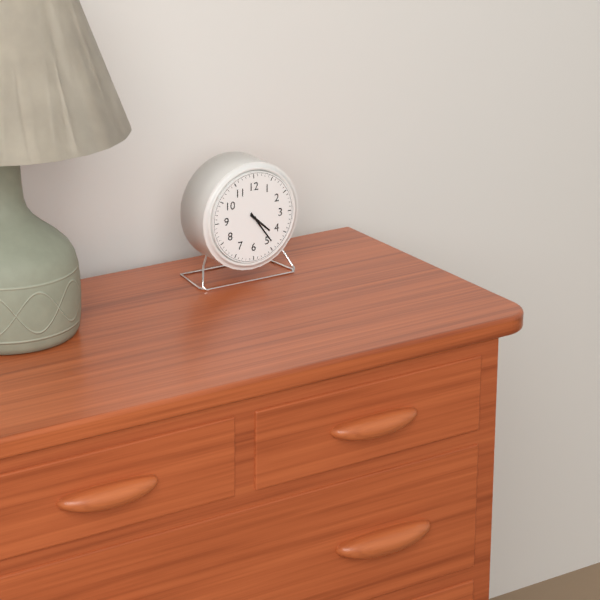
4:24
